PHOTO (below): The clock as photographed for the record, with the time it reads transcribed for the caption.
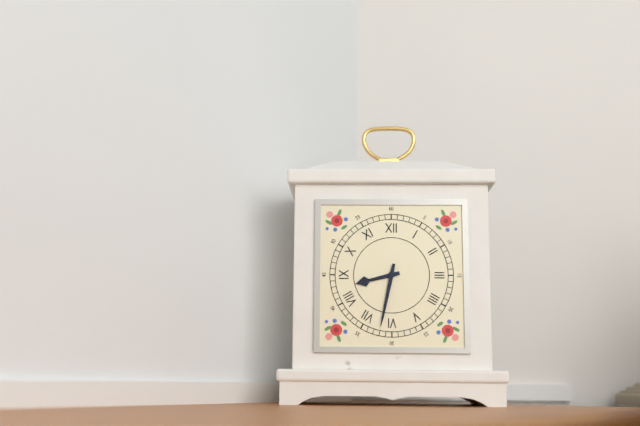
8:32
